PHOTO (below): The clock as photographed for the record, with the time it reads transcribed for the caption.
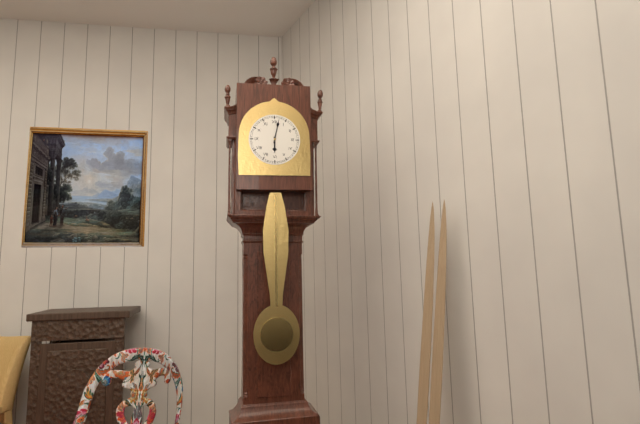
6:02
